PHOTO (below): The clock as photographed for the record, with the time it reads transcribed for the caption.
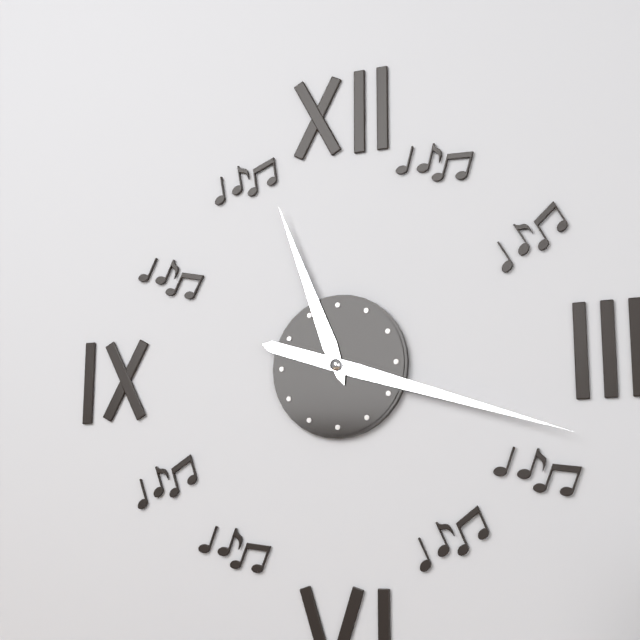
11:18
